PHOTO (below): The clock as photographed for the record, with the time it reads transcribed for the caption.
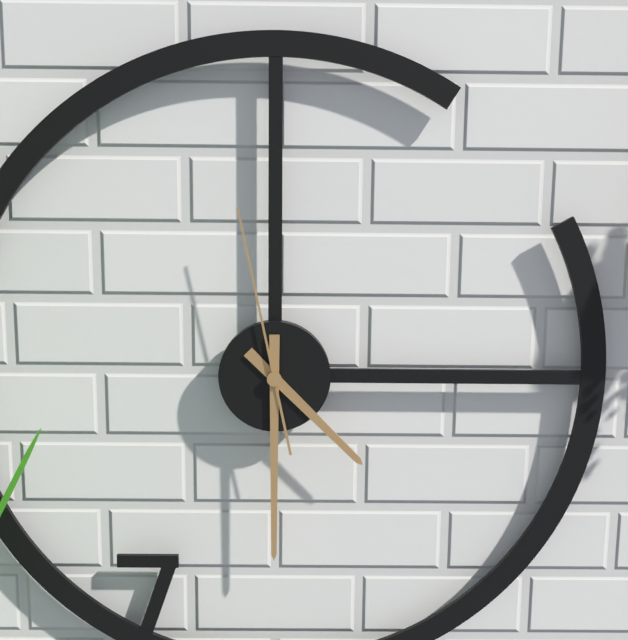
4:30:58
